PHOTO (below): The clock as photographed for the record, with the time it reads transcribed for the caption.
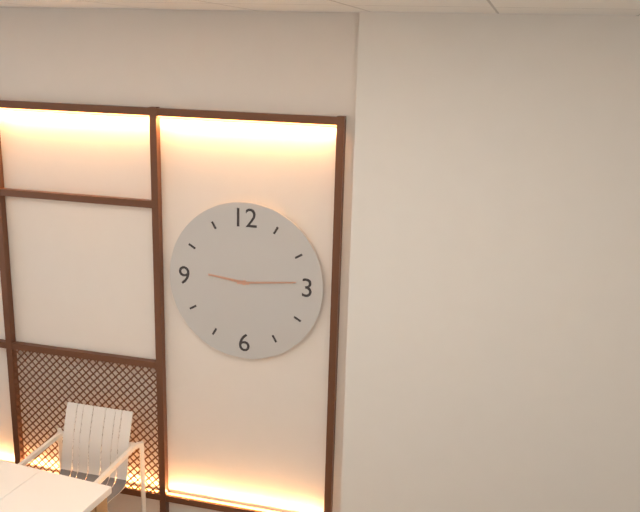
9:14
